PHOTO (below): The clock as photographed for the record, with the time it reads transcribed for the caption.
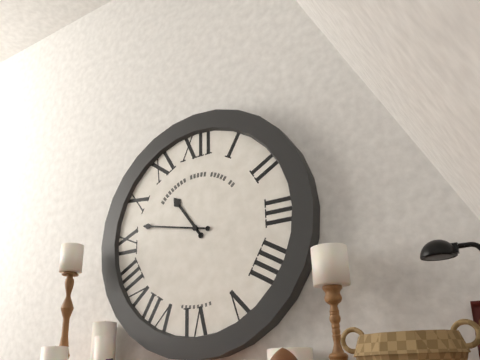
10:47
